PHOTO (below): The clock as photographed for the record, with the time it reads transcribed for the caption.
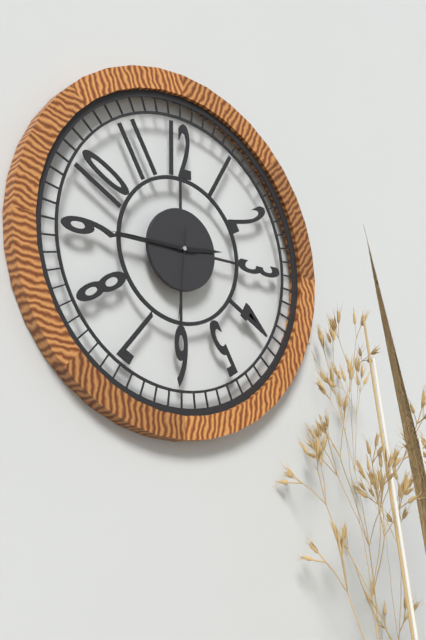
2:45:31
